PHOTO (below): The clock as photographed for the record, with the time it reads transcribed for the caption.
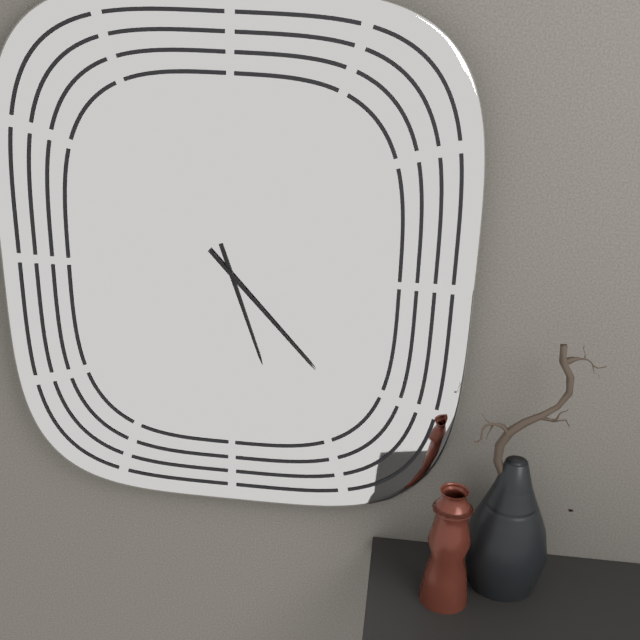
5:23
